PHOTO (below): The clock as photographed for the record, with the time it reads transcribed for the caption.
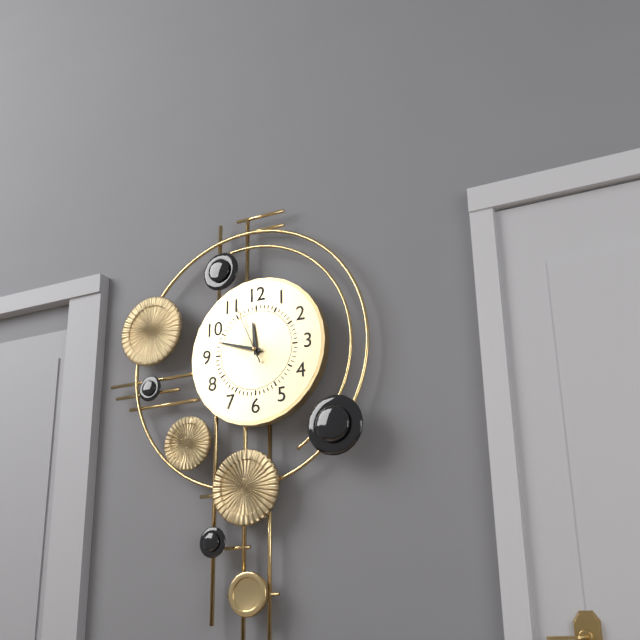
11:48:56
